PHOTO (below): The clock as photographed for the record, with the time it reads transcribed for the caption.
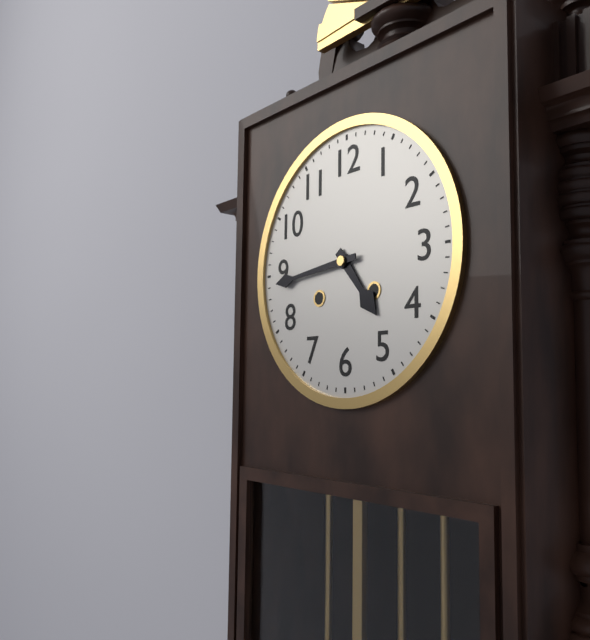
4:44
